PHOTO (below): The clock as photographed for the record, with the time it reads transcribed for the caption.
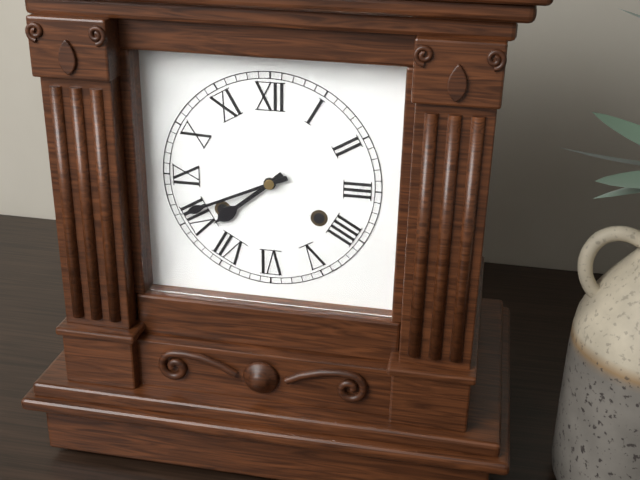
7:41
